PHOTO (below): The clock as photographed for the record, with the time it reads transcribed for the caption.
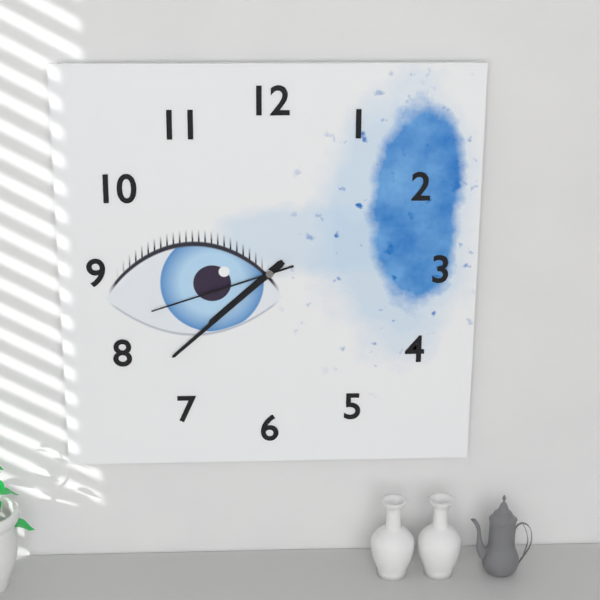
7:38:42
